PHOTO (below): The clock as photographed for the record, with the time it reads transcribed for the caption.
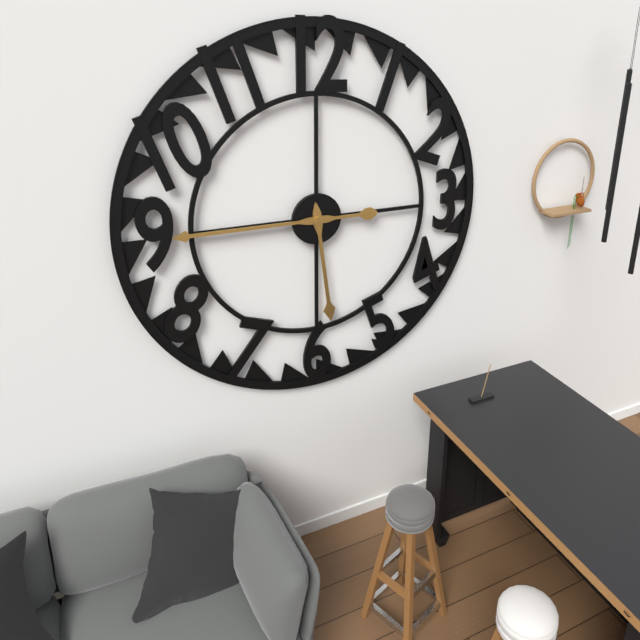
5:45
